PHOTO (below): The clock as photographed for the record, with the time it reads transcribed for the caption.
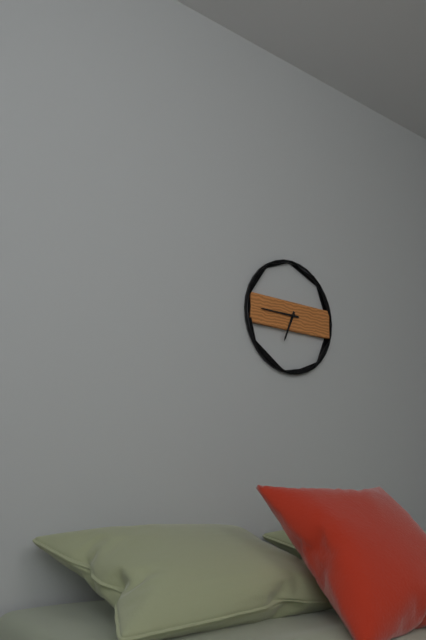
6:45
